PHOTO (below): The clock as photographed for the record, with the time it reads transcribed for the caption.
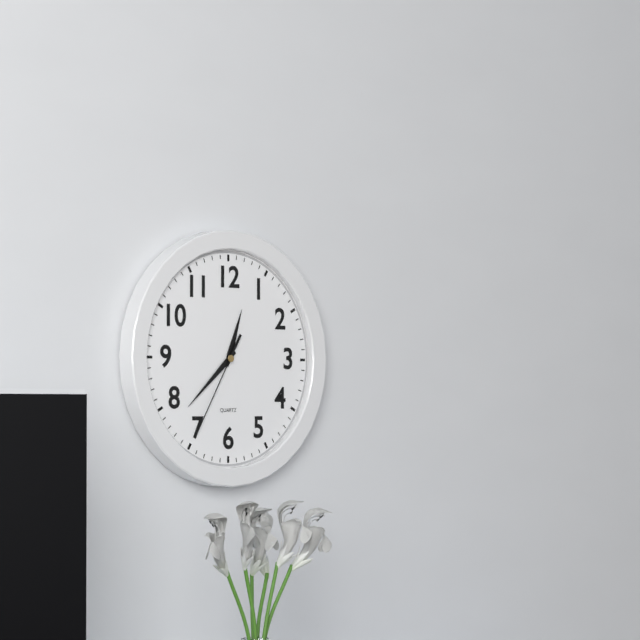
12:38:35
